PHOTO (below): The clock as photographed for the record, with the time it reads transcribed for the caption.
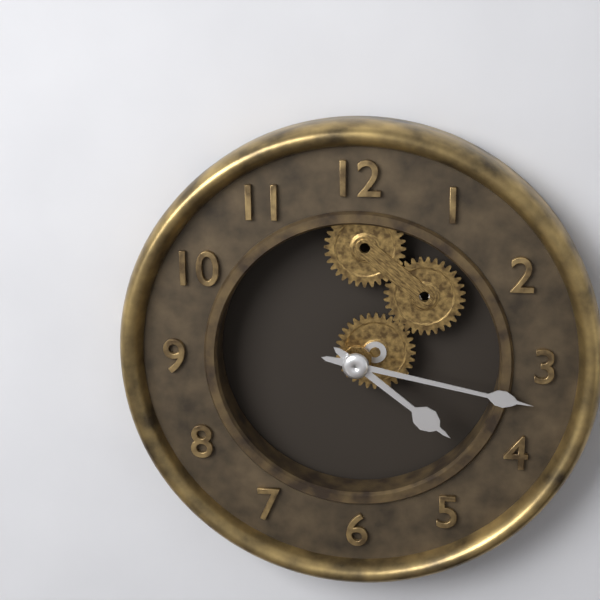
4:17
